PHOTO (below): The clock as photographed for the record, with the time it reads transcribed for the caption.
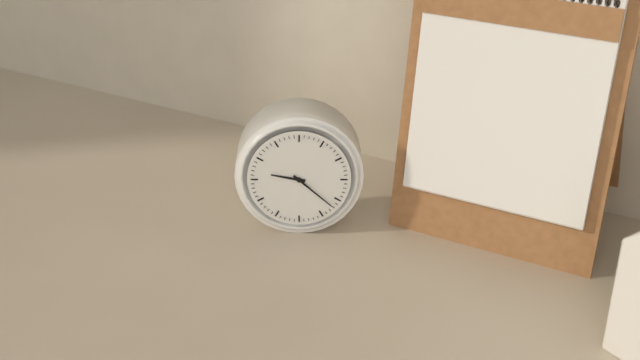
9:22
